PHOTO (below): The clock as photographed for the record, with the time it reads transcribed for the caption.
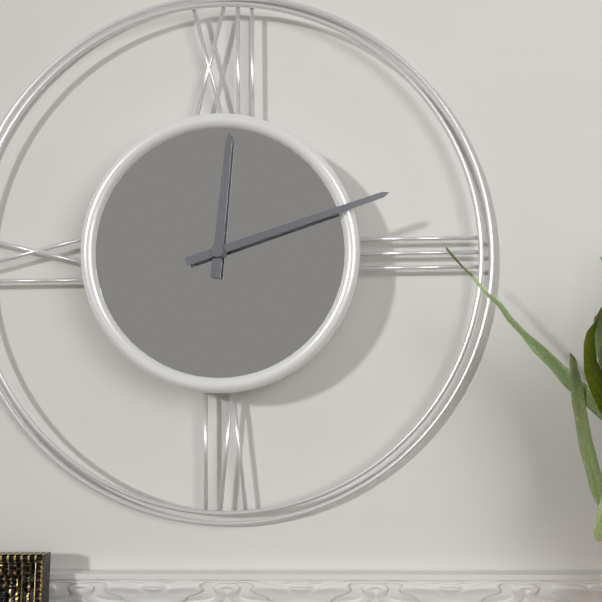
12:12
